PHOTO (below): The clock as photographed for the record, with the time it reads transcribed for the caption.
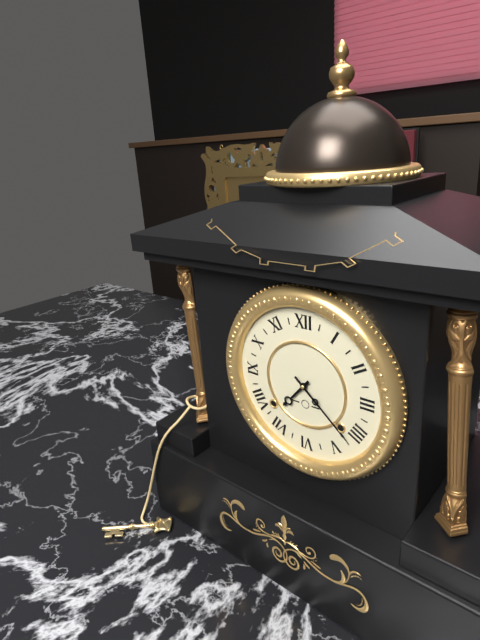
7:22
